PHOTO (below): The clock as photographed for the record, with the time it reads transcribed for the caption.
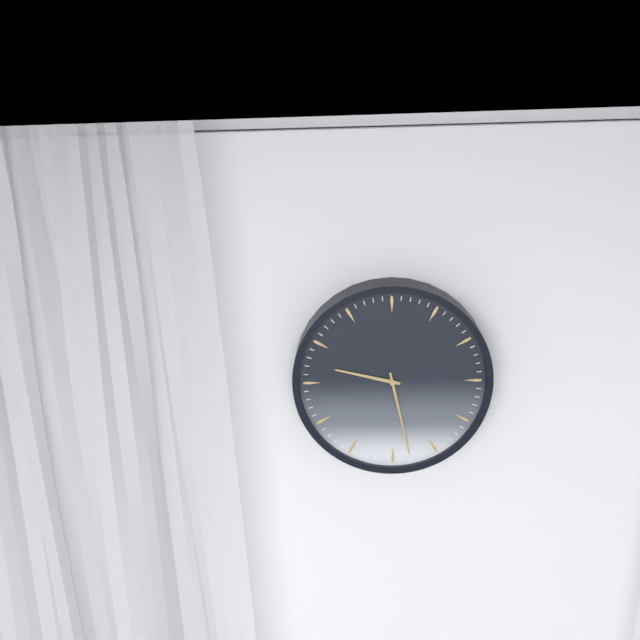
9:28
